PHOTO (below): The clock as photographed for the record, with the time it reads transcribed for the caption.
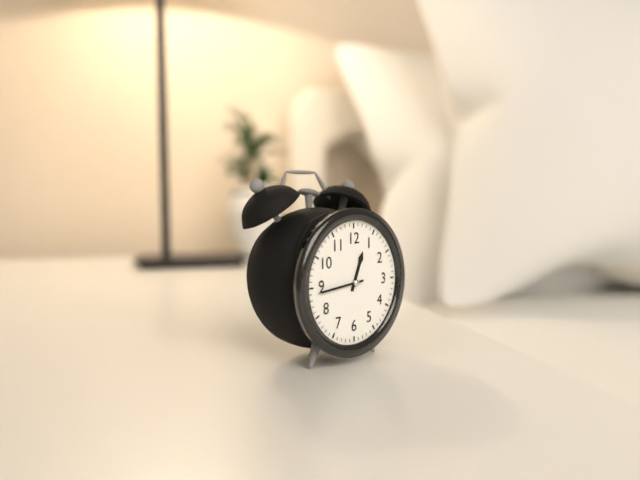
12:44
